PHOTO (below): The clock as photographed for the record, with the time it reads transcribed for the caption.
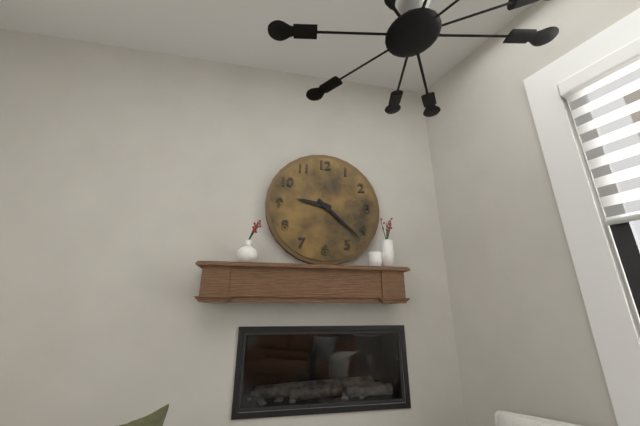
9:22
